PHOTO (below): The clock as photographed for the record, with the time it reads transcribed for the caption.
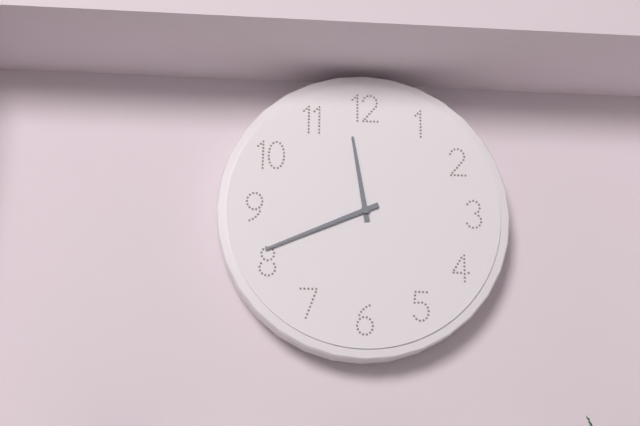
11:41
